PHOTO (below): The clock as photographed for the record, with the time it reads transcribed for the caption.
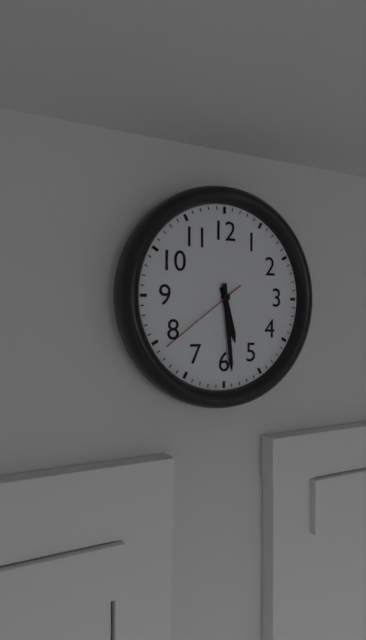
5:29:39
